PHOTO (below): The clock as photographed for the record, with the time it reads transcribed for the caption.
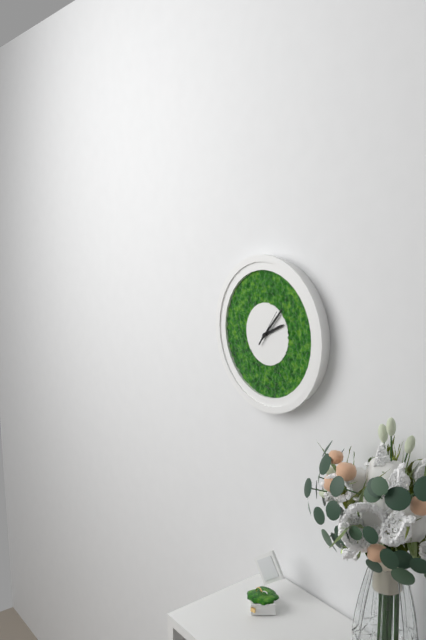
2:07
